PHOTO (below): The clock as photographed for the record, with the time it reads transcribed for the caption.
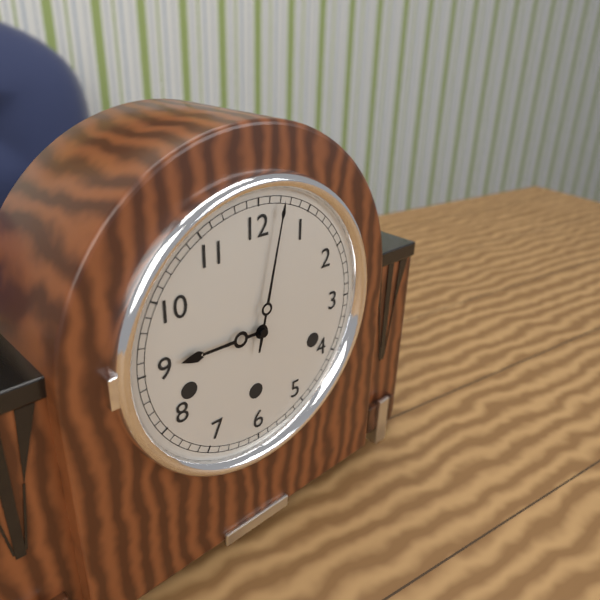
9:02
